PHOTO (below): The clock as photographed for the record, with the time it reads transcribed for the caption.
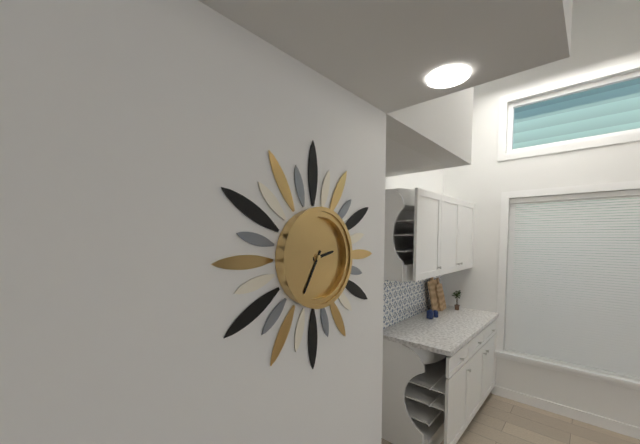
2:35
